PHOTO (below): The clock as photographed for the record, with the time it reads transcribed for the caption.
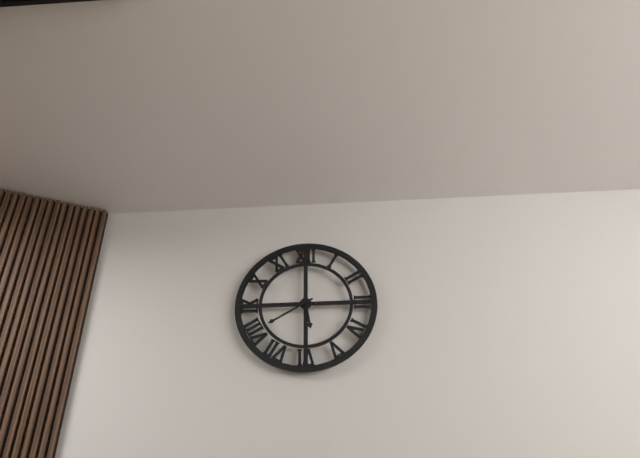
5:40
